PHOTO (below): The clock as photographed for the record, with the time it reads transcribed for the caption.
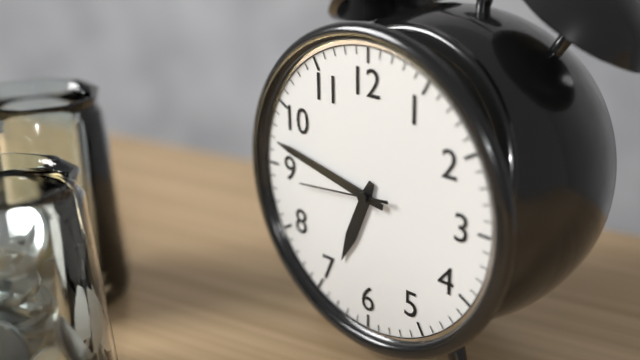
6:47:44
